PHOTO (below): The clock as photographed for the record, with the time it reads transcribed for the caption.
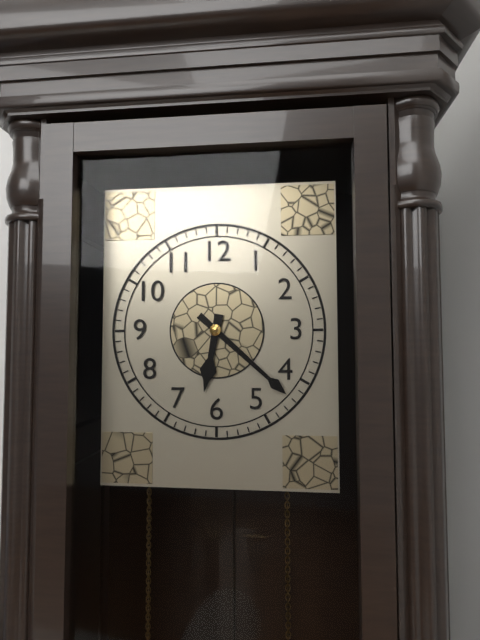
6:22
